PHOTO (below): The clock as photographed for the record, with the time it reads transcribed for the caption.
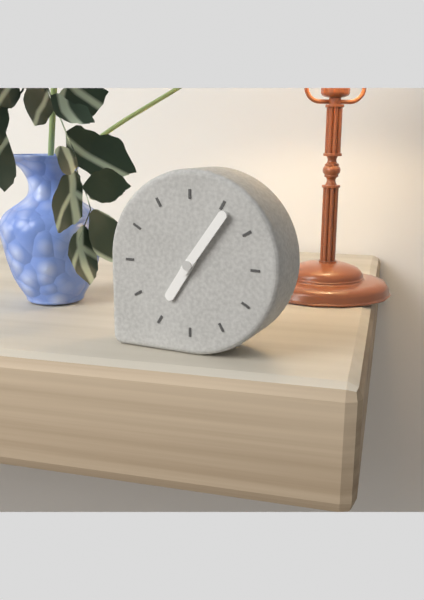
7:06
